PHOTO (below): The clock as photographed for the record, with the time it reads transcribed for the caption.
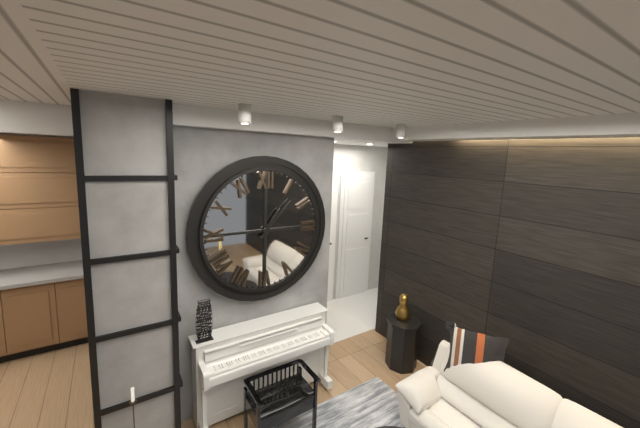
1:07
